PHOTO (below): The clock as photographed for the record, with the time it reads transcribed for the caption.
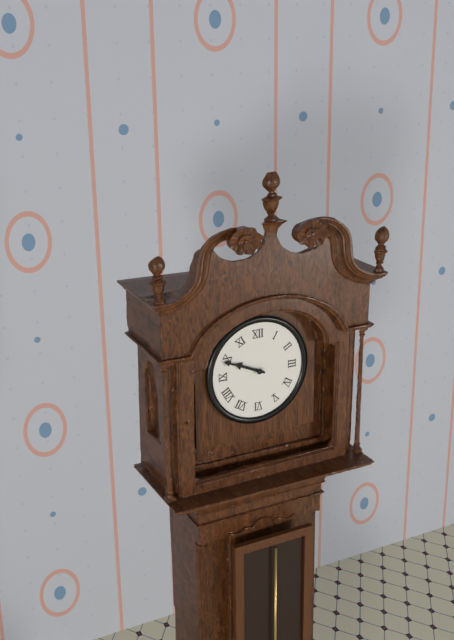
9:49
